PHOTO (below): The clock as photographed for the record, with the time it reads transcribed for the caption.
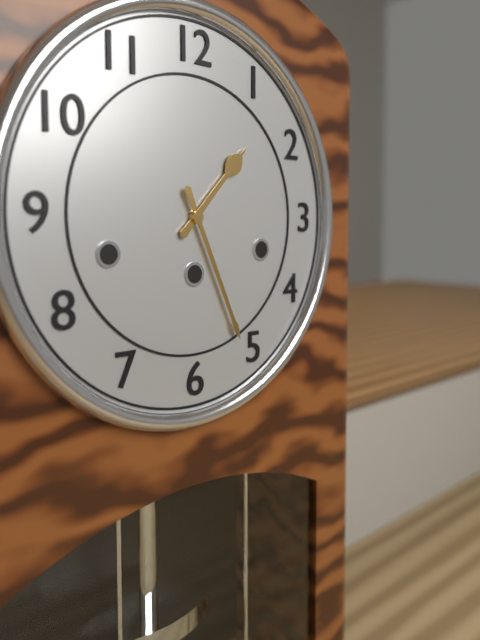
1:26
